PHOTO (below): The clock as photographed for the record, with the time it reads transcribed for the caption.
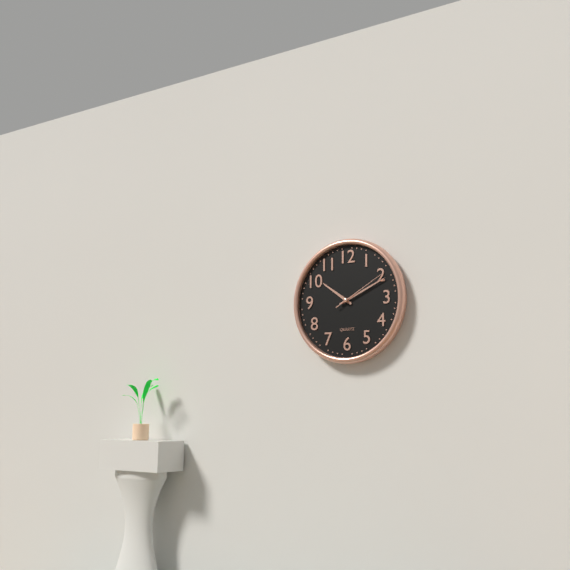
10:11:10
